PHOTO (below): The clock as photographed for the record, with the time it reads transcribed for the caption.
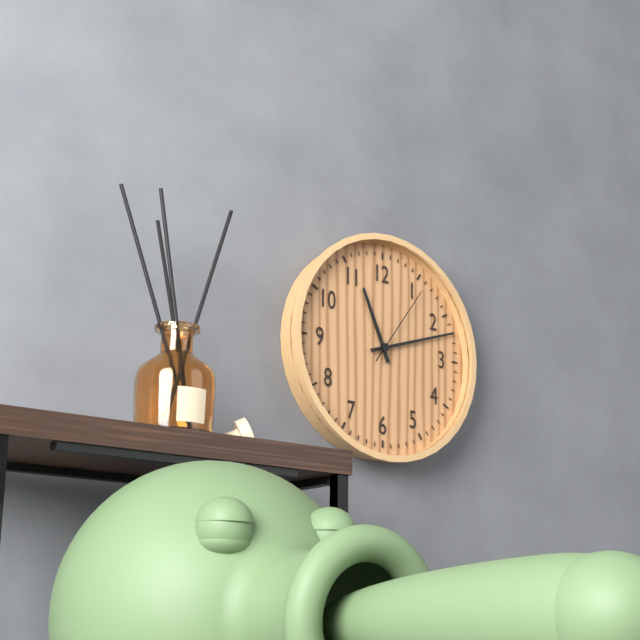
11:12:06
